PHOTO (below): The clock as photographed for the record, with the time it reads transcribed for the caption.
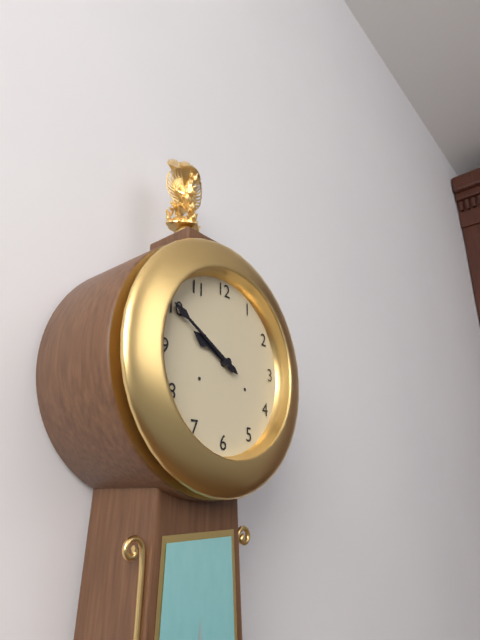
9:50
